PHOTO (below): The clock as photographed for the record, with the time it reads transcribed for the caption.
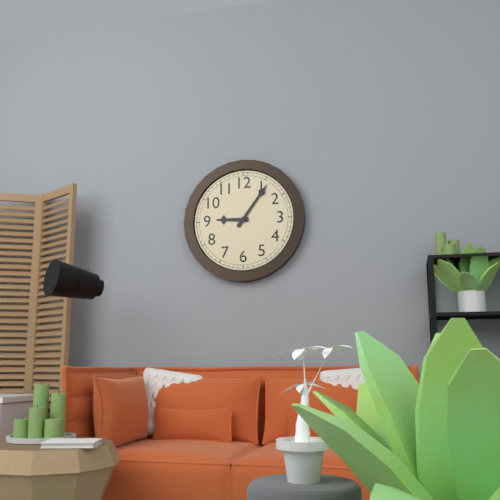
9:06
